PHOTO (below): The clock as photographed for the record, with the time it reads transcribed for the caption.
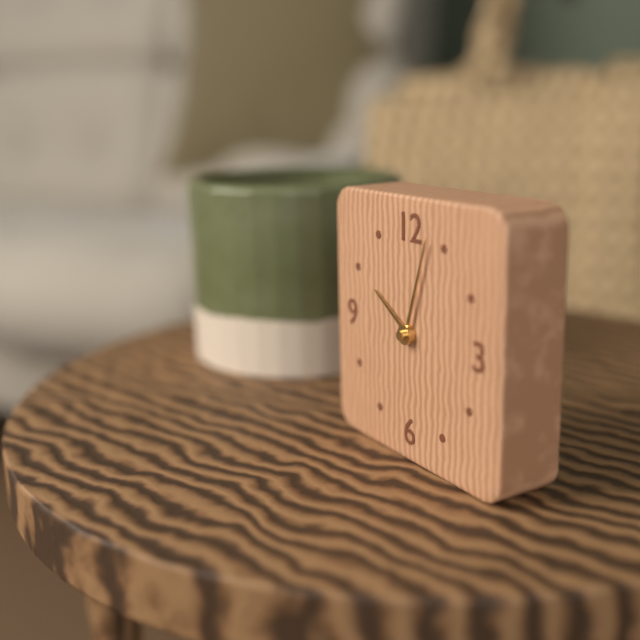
10:03
